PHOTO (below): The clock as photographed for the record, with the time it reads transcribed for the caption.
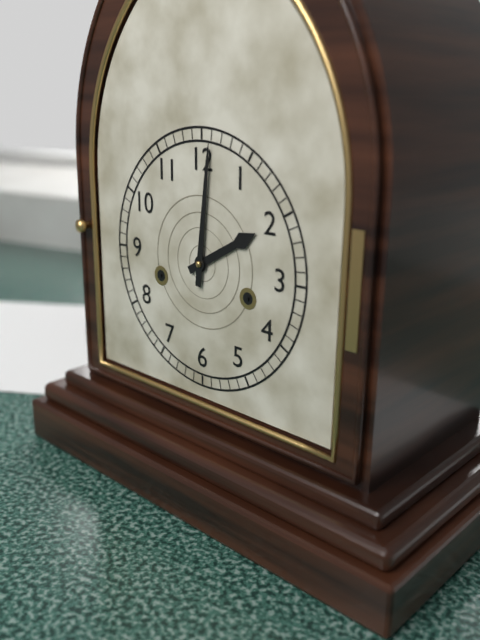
2:01
